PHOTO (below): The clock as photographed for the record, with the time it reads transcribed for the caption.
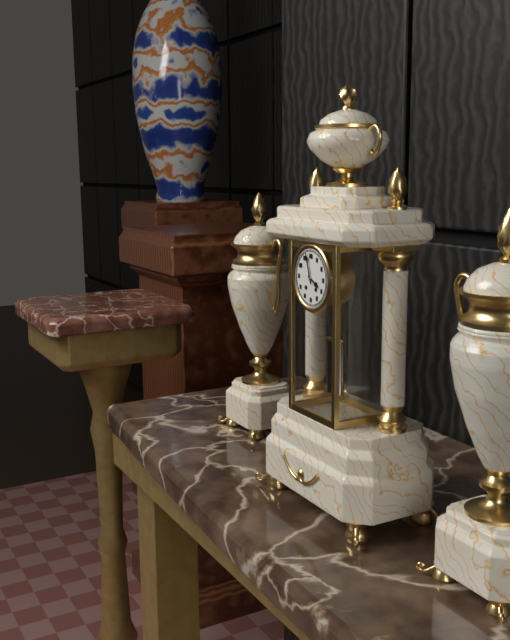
3:57
